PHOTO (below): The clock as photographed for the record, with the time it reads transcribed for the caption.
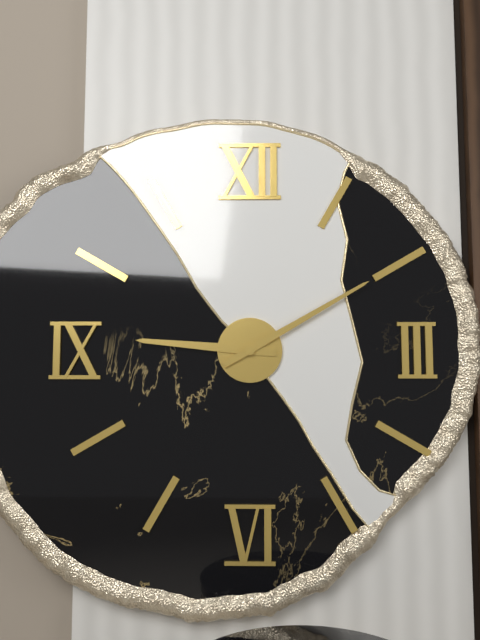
9:10
